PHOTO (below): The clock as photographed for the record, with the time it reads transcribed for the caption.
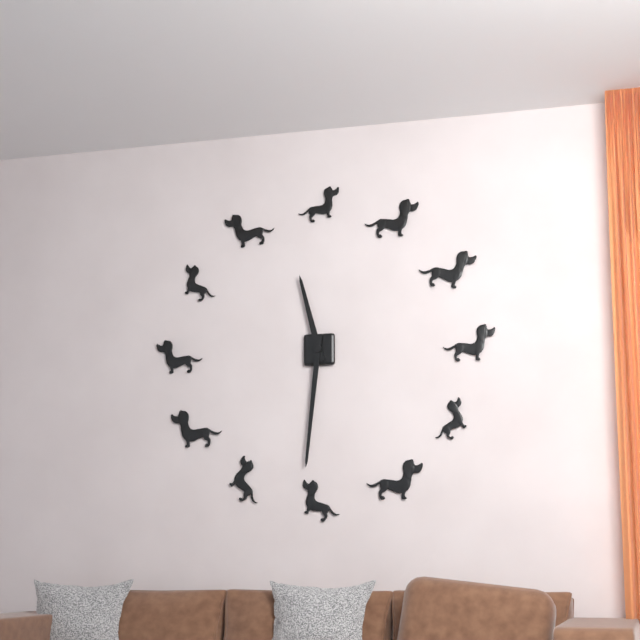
11:31
